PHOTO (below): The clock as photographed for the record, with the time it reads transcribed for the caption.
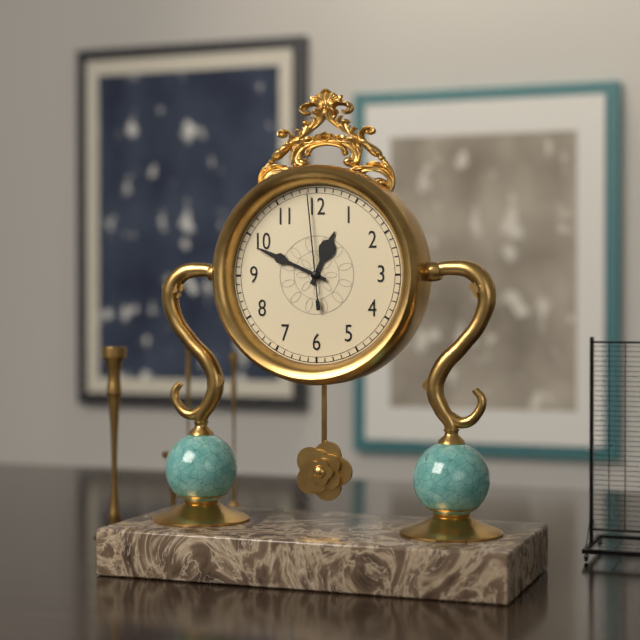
12:49:59
